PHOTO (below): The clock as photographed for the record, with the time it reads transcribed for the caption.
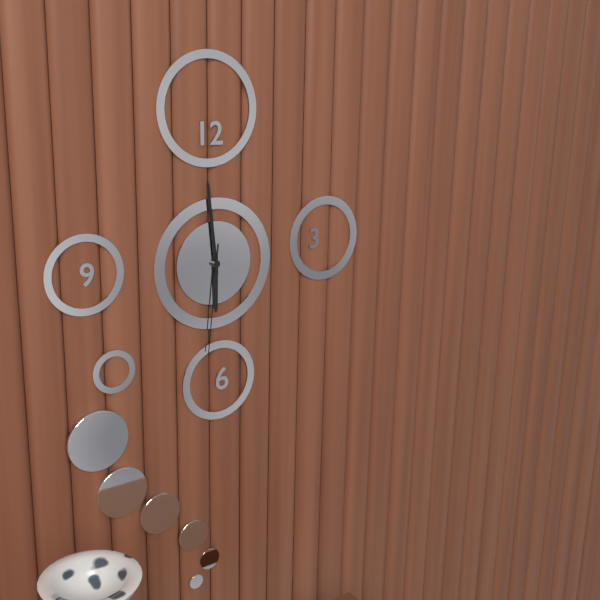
5:59:31
